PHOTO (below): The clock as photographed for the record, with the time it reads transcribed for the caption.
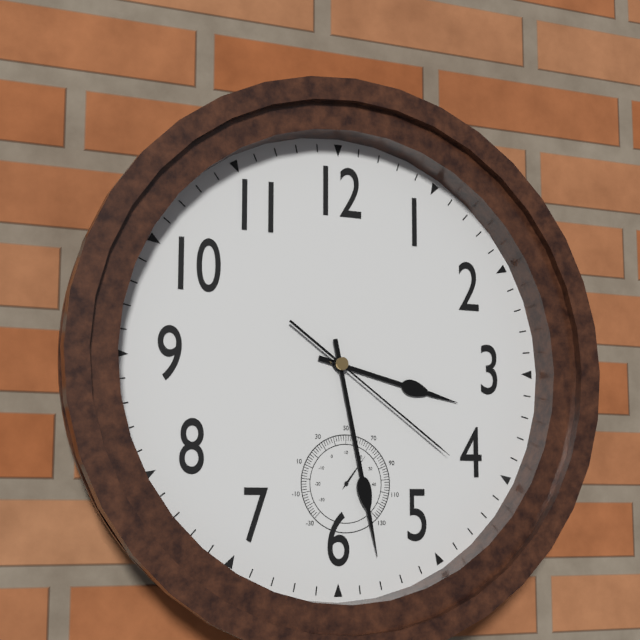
3:28:21
